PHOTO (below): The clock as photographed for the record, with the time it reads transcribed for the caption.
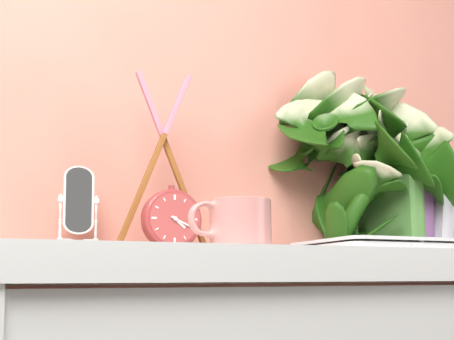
4:19
